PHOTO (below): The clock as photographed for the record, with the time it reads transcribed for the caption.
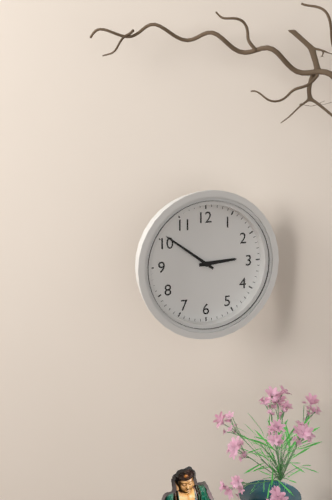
2:51
